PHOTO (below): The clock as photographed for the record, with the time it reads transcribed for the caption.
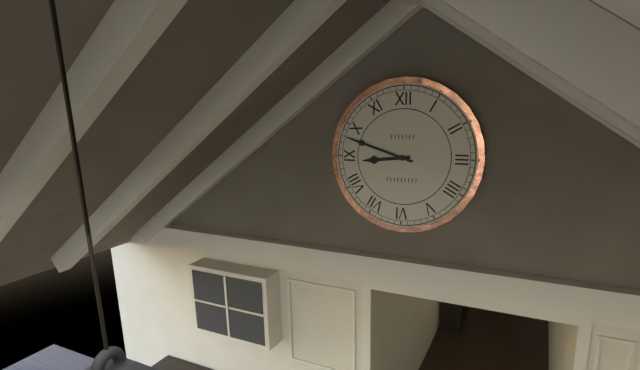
8:48
